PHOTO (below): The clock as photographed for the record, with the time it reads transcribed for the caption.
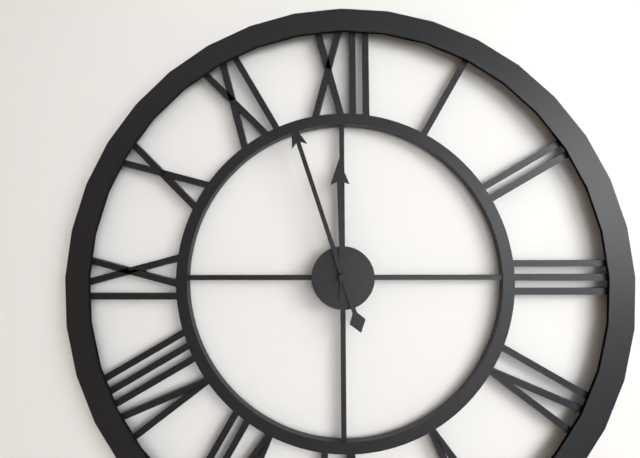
11:57
